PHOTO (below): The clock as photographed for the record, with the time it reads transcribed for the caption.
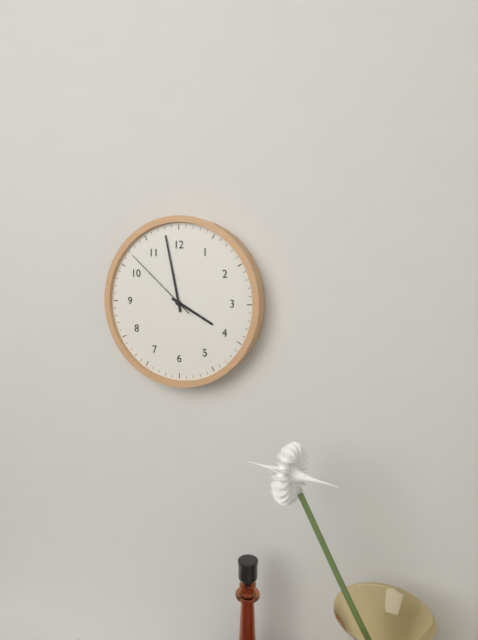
3:58:52
